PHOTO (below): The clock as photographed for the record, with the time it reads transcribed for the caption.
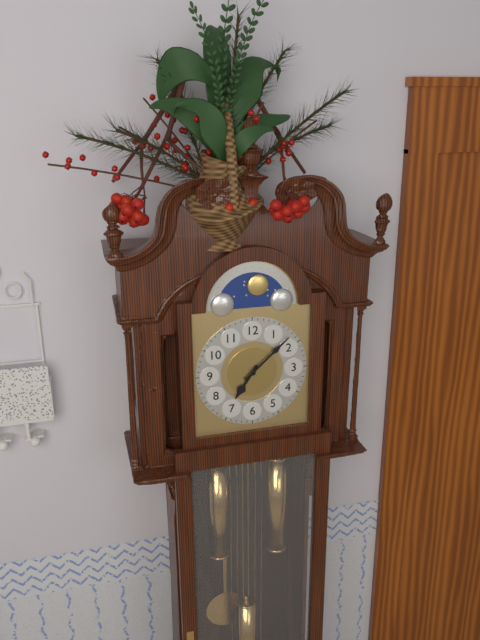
7:08
